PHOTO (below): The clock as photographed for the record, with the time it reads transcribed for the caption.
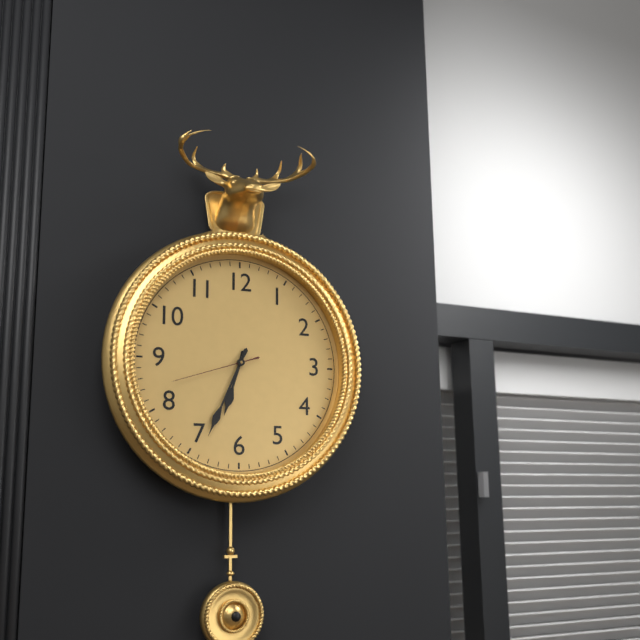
6:34:42
